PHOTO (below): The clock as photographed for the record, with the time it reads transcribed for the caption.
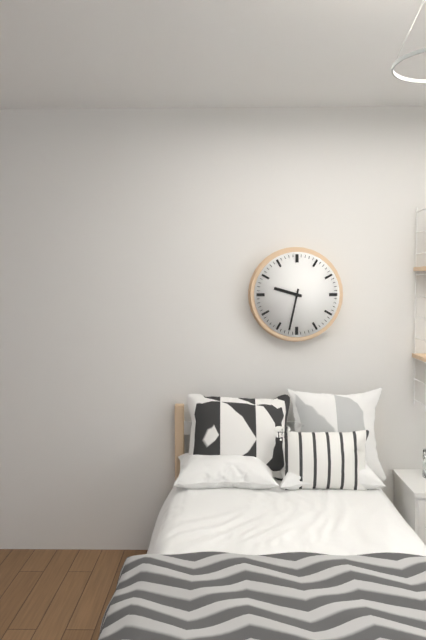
9:32
